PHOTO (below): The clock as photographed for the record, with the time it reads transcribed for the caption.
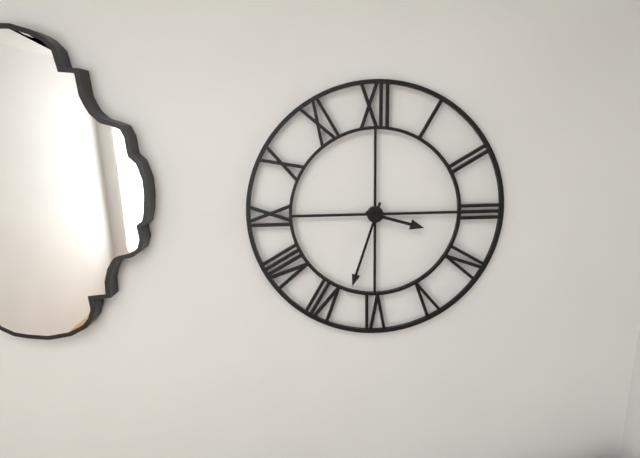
3:33
